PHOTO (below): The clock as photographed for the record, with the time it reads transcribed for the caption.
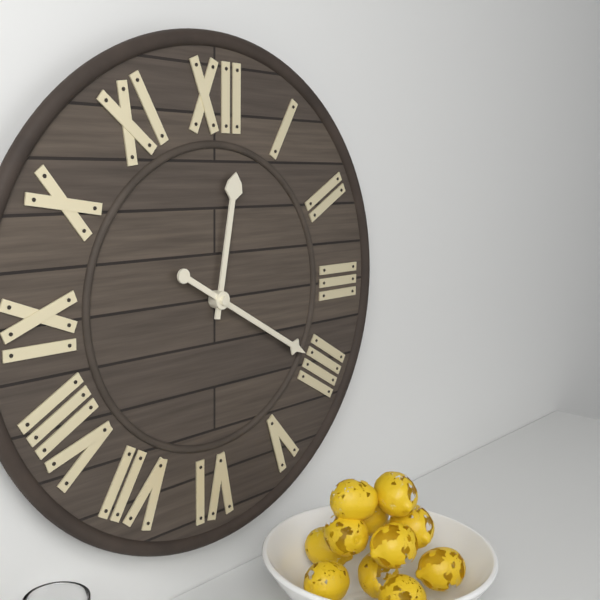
12:20
